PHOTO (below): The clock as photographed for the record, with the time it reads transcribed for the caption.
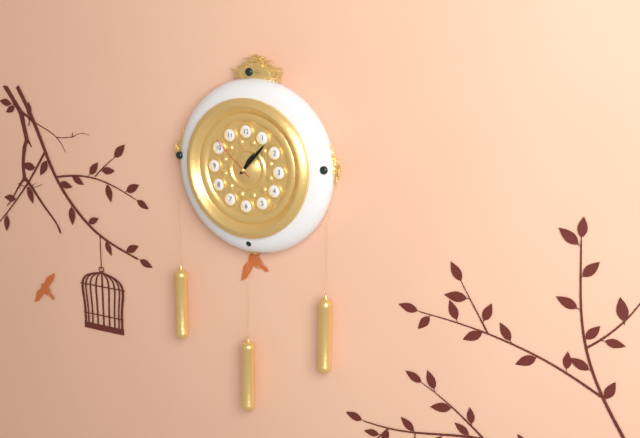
1:07:52
